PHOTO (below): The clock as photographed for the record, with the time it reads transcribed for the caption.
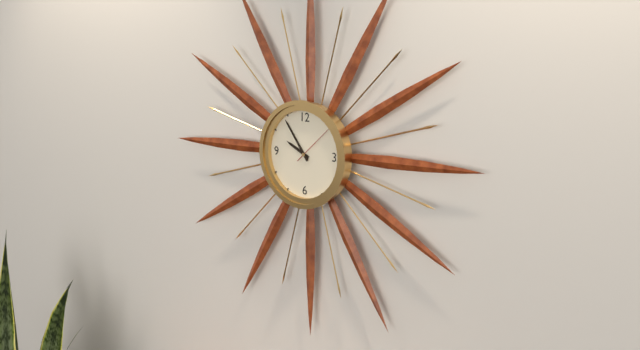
9:54
